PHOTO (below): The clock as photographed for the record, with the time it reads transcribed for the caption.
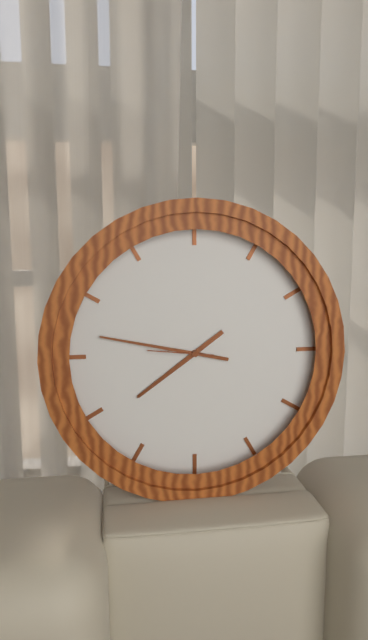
7:47:46
